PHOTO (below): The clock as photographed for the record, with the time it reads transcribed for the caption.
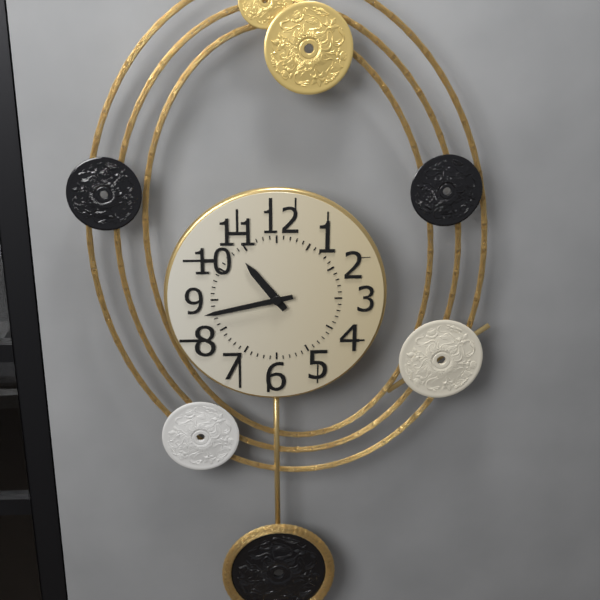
10:43
